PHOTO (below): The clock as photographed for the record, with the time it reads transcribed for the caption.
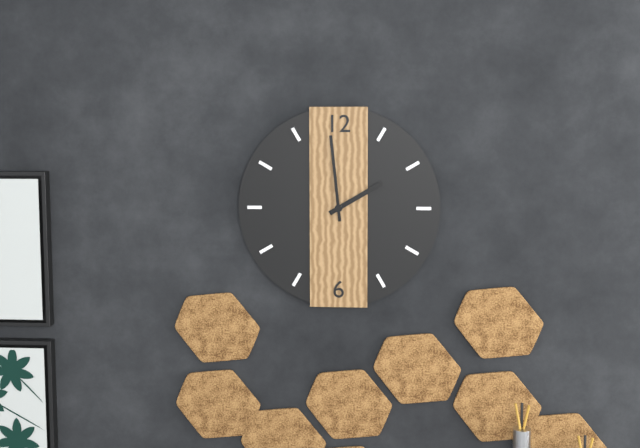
1:59
